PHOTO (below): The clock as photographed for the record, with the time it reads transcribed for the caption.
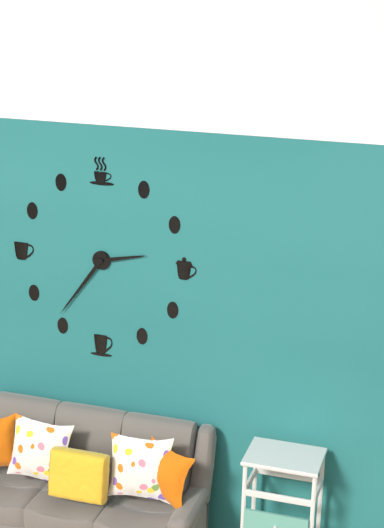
2:36
